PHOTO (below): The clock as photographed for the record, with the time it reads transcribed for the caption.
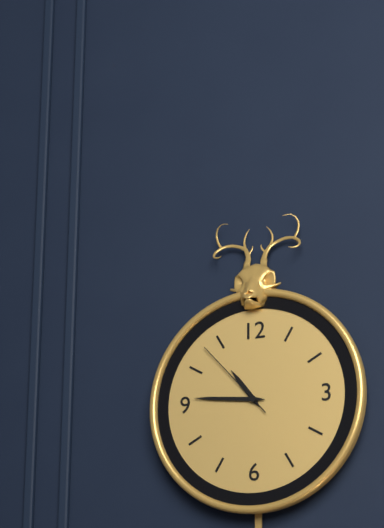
10:46:53
